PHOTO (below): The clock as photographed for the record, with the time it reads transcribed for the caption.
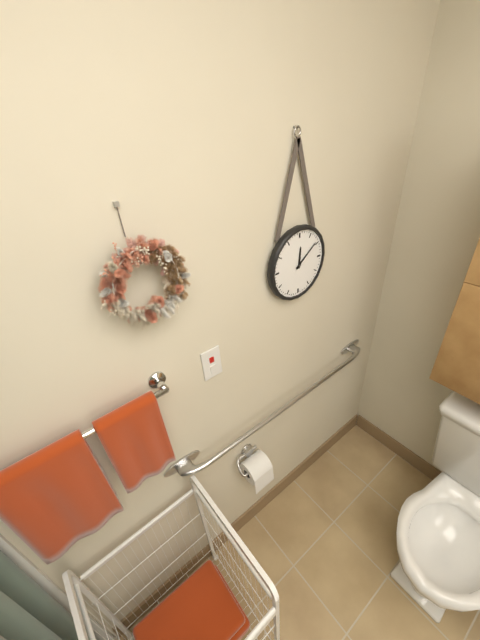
12:09
